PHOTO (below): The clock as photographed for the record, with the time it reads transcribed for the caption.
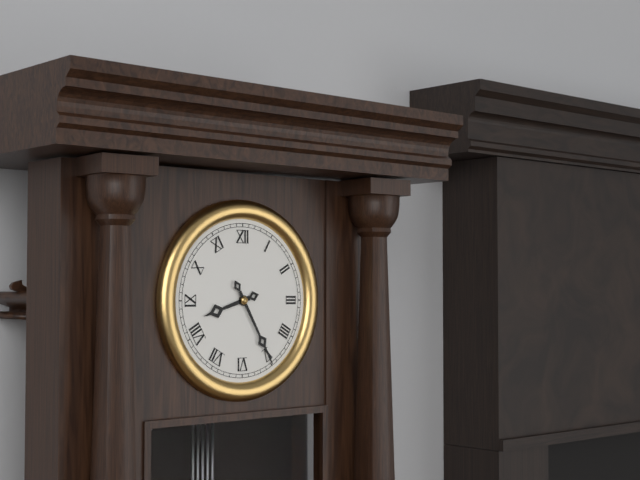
8:25
